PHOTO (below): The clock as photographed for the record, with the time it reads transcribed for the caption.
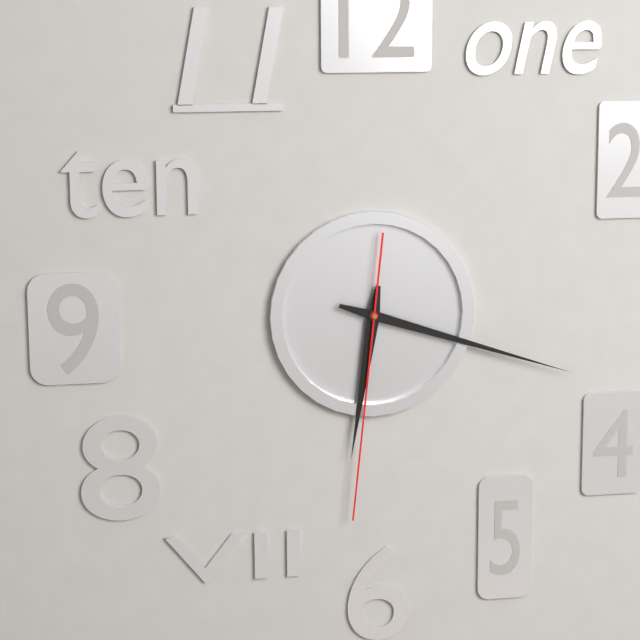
6:18:31
